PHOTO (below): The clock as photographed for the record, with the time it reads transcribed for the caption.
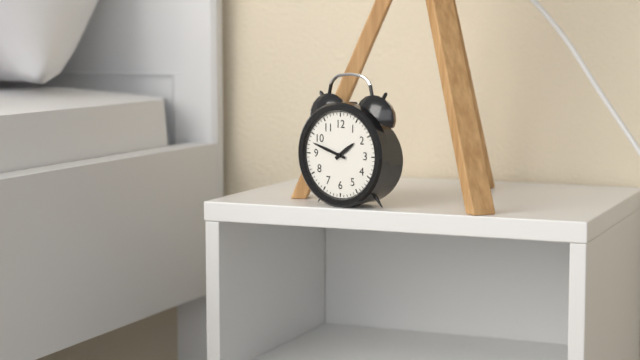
1:48
